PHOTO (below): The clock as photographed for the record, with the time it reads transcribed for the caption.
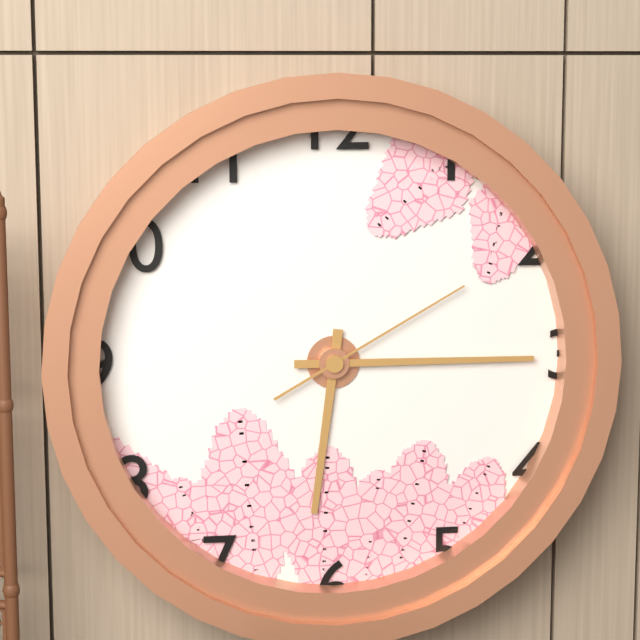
6:15:10
